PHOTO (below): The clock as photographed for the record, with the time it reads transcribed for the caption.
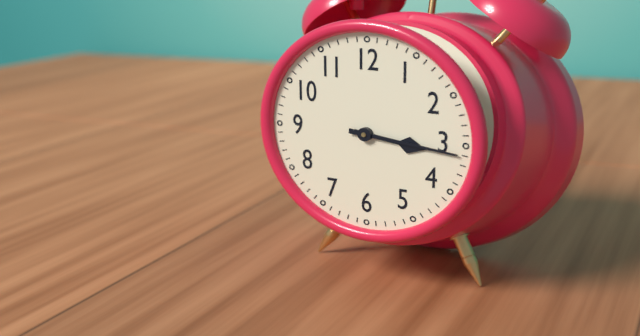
3:16
